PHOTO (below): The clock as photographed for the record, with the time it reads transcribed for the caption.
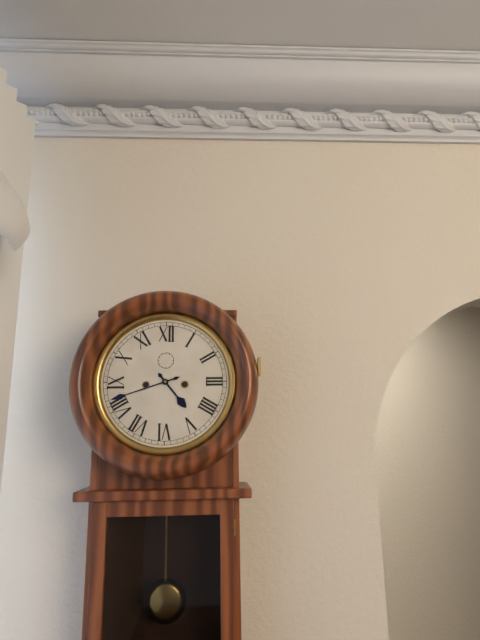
4:42
